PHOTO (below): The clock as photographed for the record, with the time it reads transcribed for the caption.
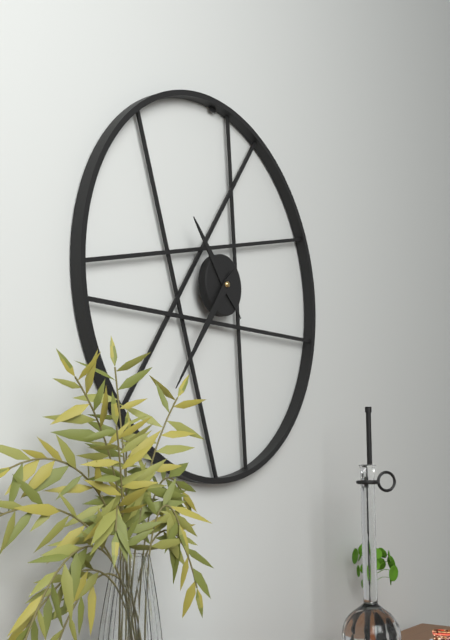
10:36
